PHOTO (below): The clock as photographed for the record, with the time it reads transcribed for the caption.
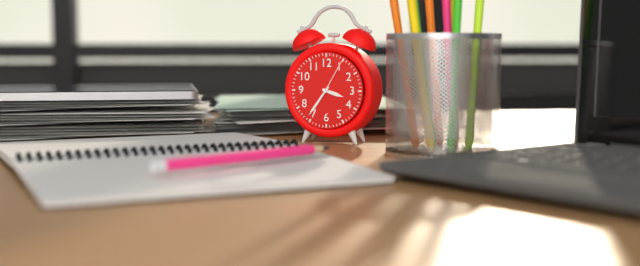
3:36
